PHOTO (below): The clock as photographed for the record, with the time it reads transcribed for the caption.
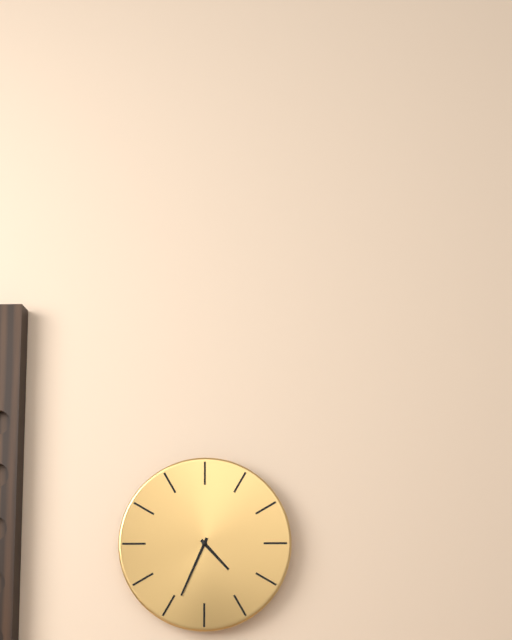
4:34
